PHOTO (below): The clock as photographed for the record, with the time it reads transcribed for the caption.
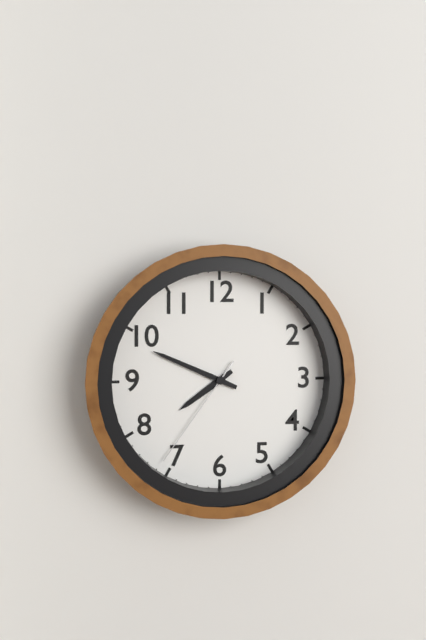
7:49:36
